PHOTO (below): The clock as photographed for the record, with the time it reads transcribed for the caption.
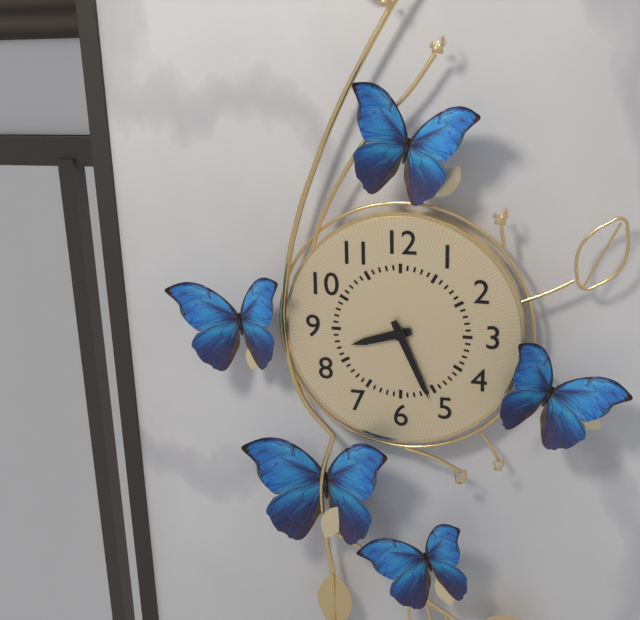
8:26
